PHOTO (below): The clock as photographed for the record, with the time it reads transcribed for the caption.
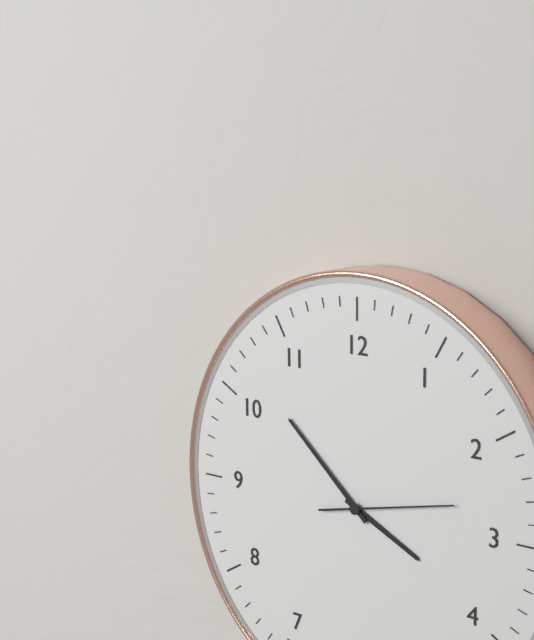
3:52:13
